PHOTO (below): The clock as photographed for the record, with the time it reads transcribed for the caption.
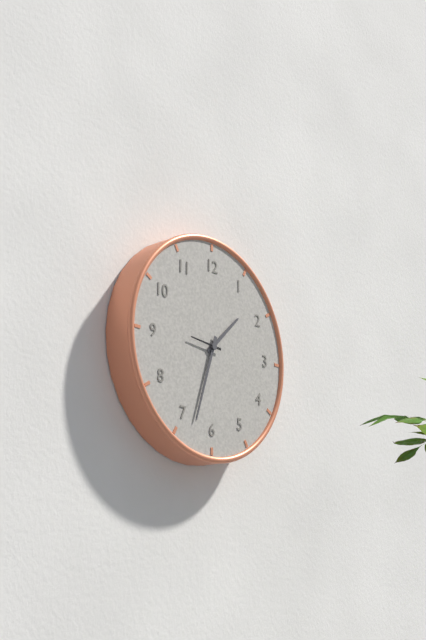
1:33
